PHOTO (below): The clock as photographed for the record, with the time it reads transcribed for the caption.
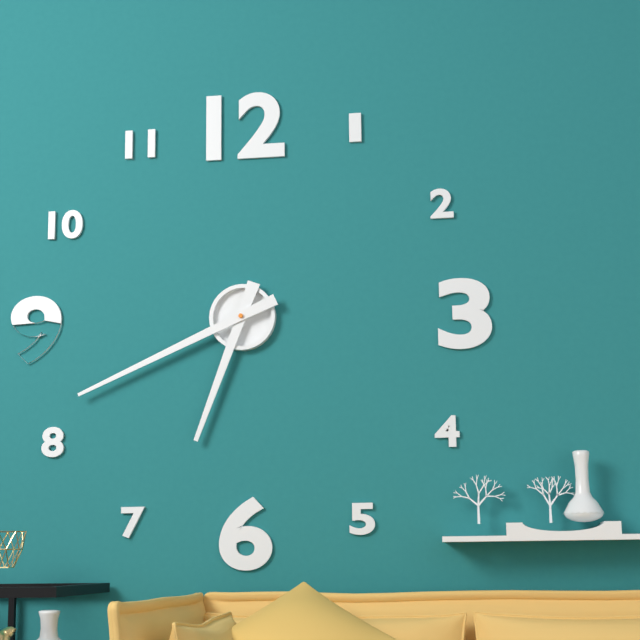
6:41
